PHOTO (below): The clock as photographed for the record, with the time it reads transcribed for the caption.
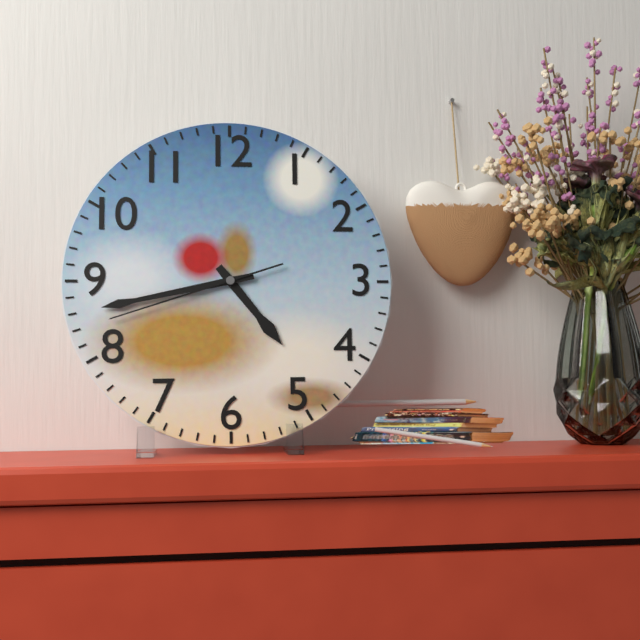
4:43:42
